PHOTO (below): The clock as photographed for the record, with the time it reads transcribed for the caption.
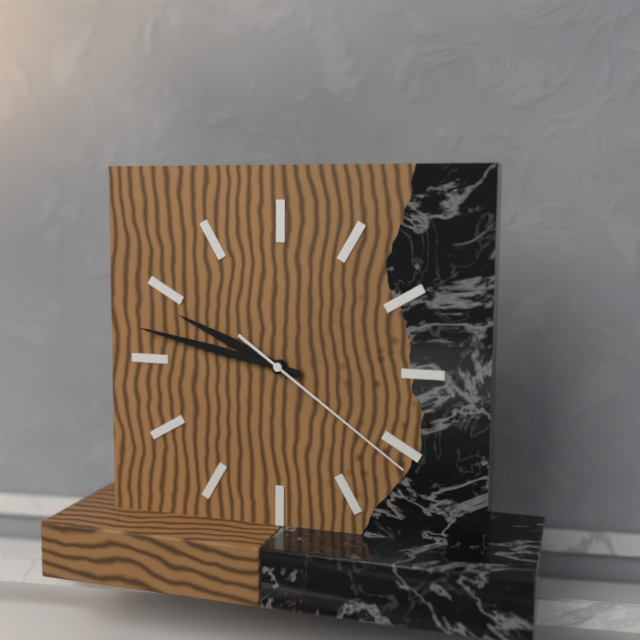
9:47:21
